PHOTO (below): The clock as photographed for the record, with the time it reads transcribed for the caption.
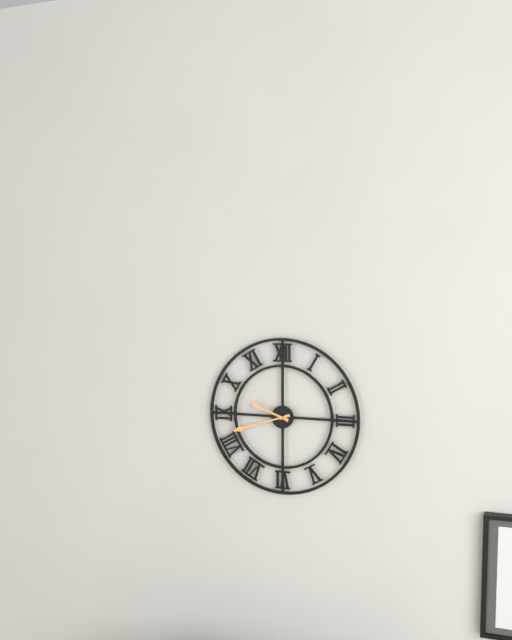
9:42
